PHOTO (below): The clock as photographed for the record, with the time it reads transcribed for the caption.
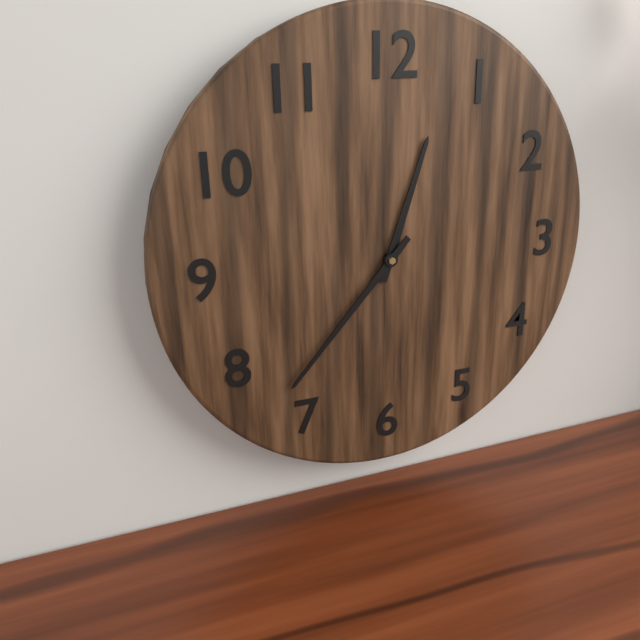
12:37
